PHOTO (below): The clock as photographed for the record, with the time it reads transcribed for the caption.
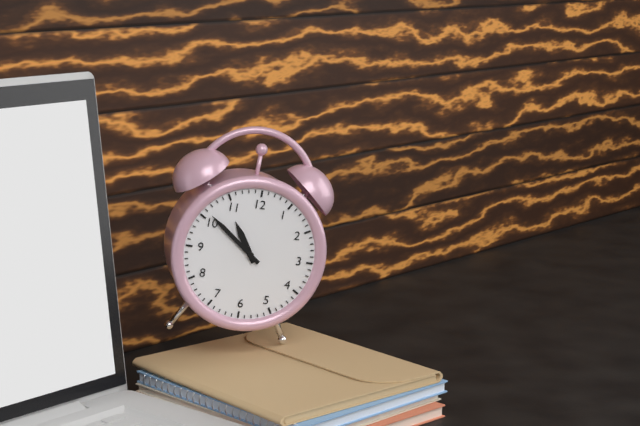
10:51
